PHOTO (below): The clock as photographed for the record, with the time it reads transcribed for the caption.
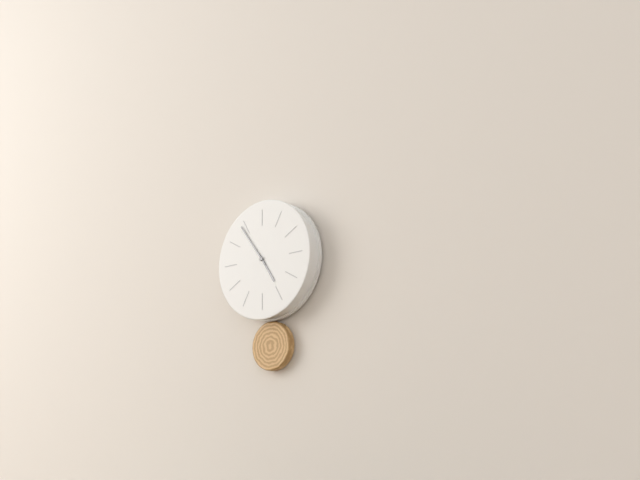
4:54
